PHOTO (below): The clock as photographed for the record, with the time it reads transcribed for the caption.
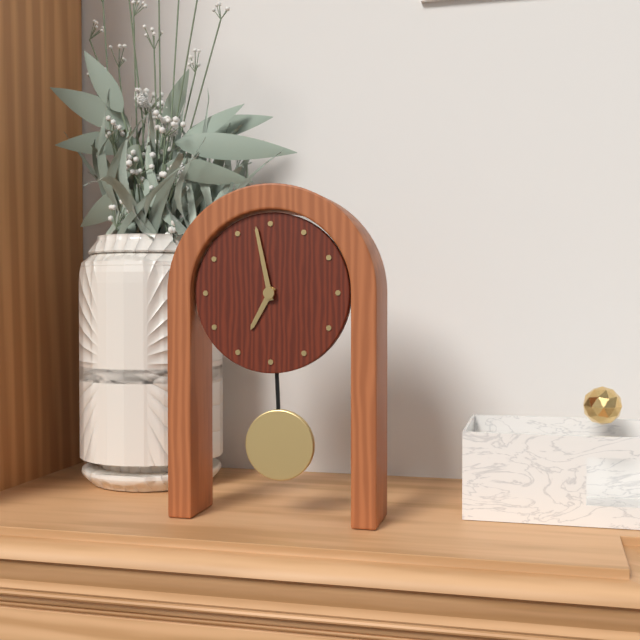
6:58
